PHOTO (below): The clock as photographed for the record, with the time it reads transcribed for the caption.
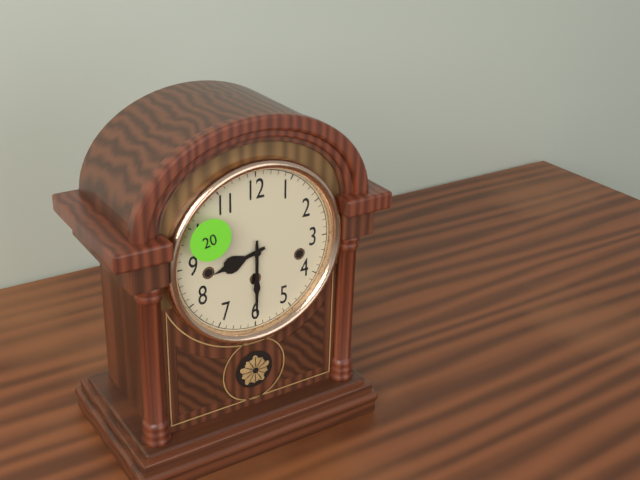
8:30
